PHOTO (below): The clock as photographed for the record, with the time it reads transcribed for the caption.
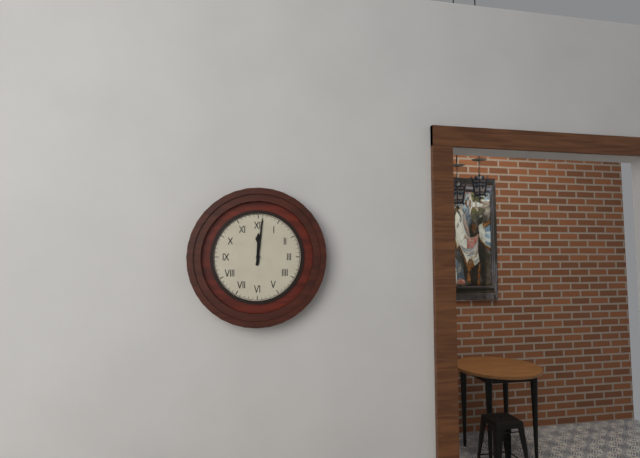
12:01
